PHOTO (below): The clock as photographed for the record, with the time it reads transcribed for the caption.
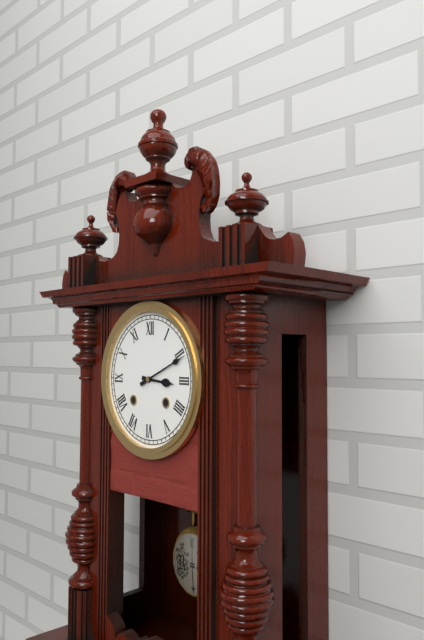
3:11
